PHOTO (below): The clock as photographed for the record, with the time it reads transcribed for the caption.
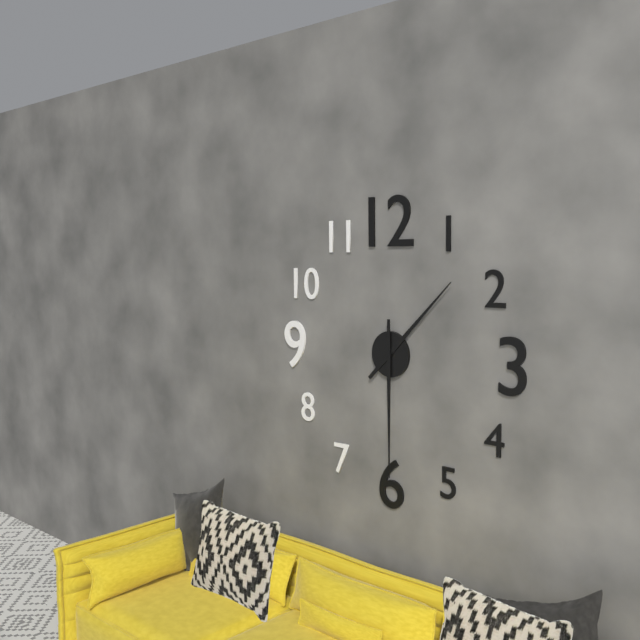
1:30
